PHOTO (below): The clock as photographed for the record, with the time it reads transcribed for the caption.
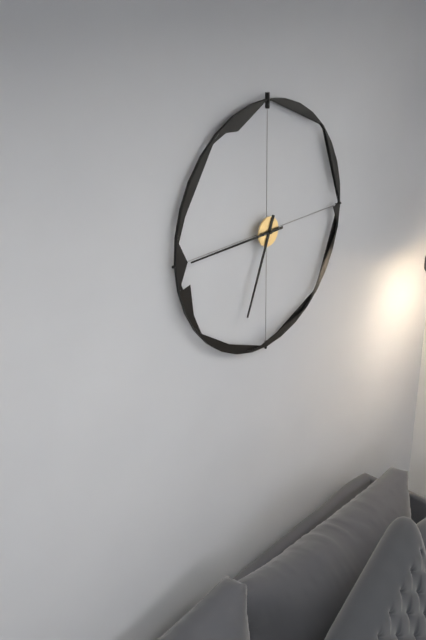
6:45
